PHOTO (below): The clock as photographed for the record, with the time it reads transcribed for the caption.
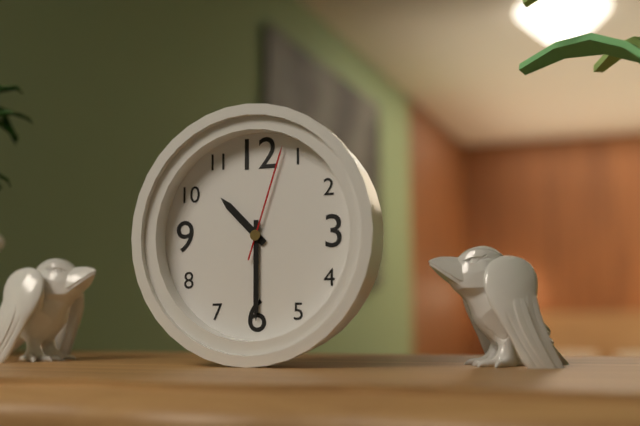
10:30:03
